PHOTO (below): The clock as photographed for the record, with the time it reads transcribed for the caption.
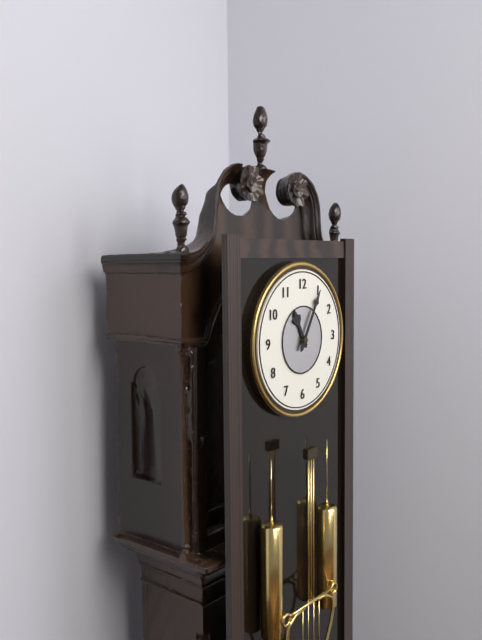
11:05
